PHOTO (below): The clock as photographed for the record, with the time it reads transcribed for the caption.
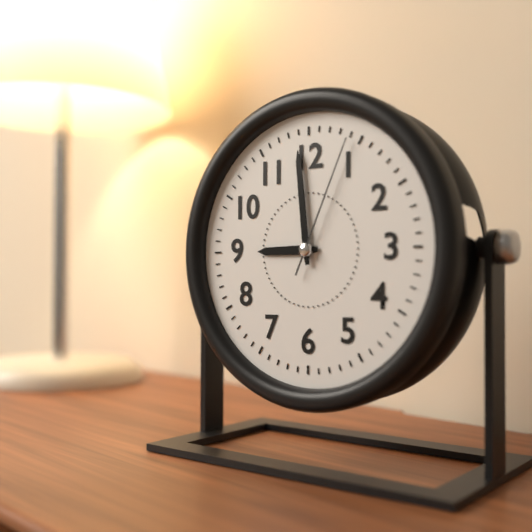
8:59:04
